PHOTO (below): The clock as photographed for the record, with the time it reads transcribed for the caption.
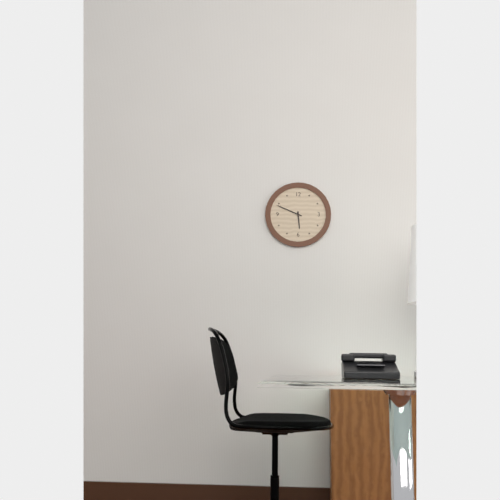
5:49
